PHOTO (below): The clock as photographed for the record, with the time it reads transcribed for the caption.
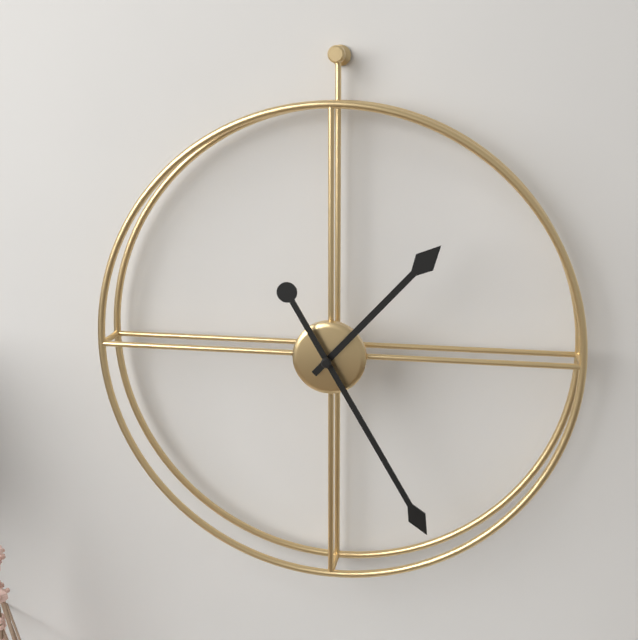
1:25
